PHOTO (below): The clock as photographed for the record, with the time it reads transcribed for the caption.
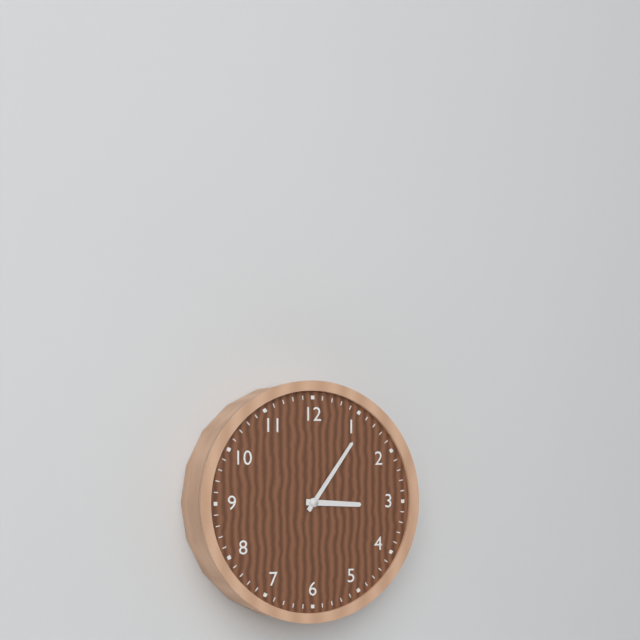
3:06
